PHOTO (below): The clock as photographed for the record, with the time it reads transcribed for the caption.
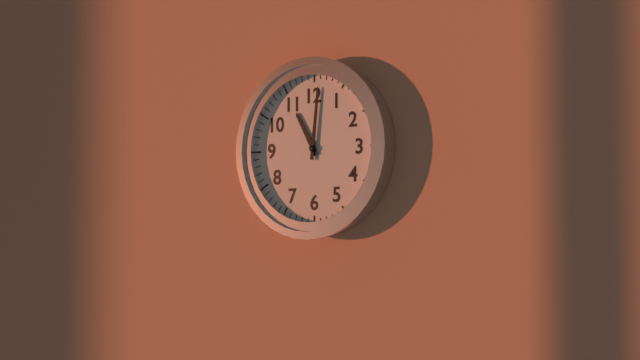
11:01
